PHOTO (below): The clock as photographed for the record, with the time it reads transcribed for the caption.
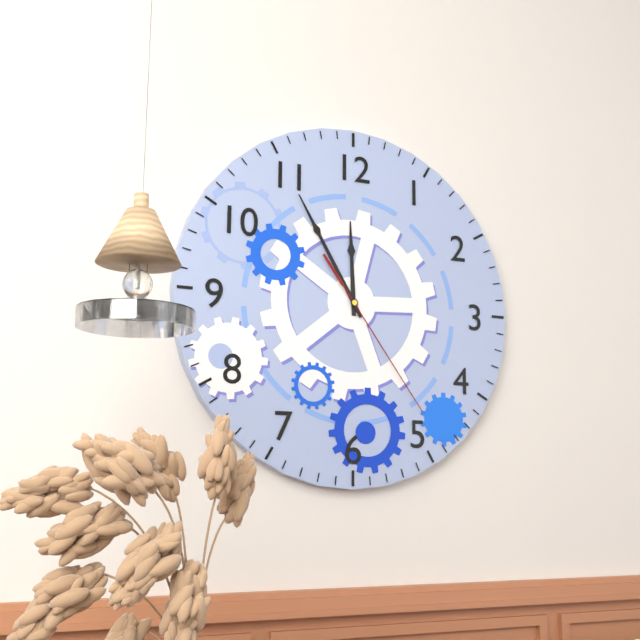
11:55:24
